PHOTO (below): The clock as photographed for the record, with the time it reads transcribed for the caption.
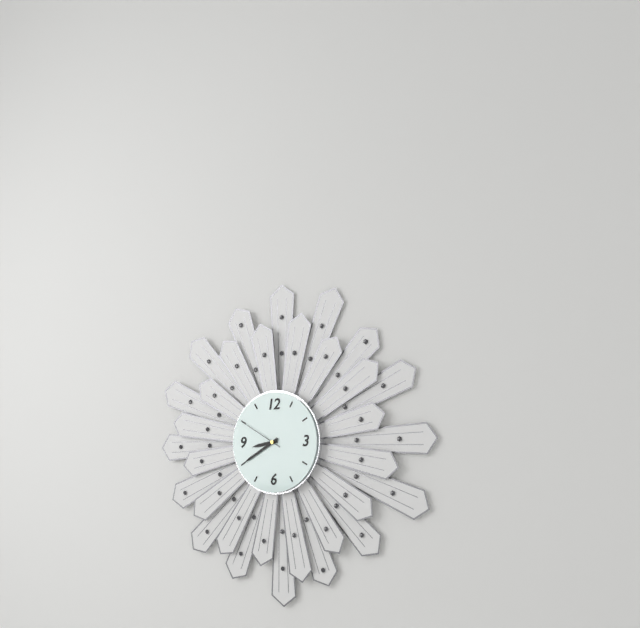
8:40
